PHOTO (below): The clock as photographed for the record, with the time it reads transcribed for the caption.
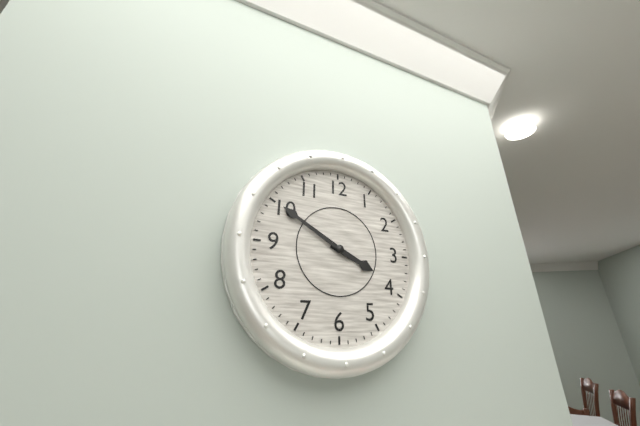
3:50
